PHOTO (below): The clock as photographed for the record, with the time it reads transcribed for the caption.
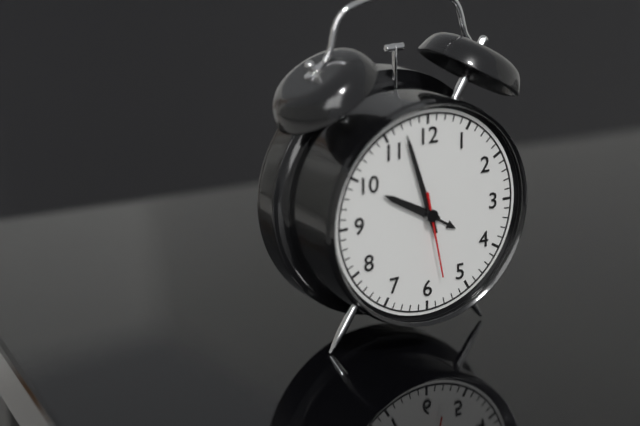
9:57:28
